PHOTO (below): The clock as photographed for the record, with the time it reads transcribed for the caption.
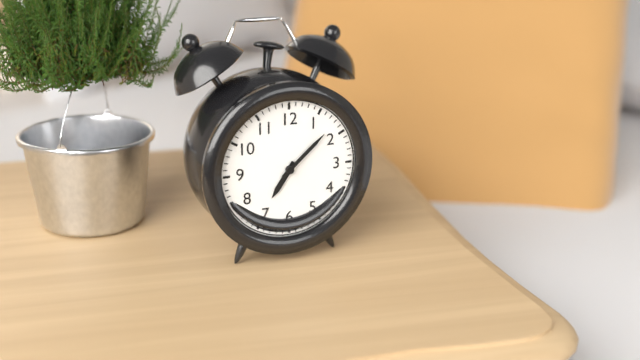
7:08
